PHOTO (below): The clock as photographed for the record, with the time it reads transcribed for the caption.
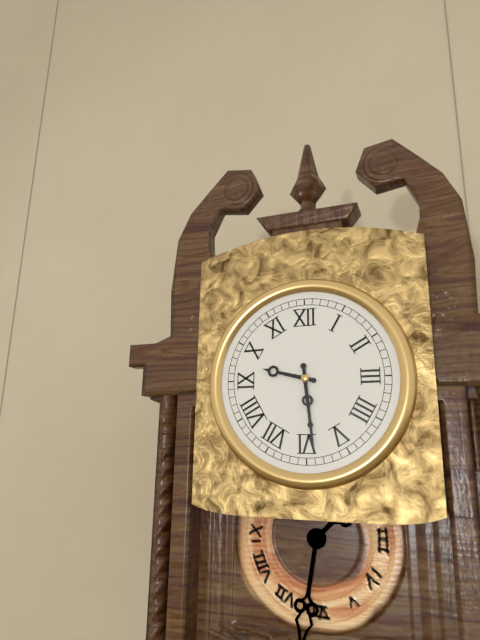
9:29
